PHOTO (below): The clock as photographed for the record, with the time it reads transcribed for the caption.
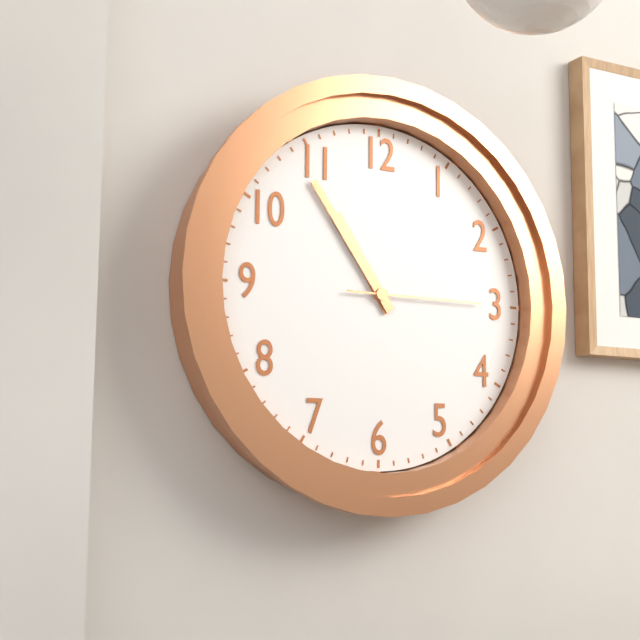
10:54:15
